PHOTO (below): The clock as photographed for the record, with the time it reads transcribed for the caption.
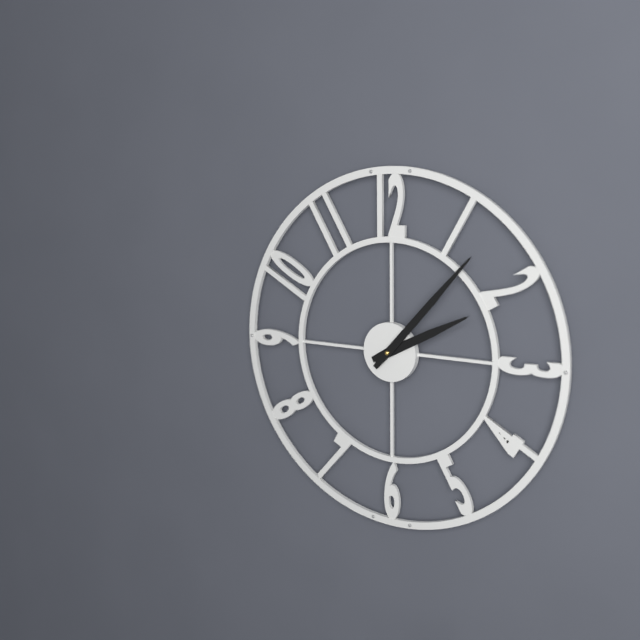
2:07
